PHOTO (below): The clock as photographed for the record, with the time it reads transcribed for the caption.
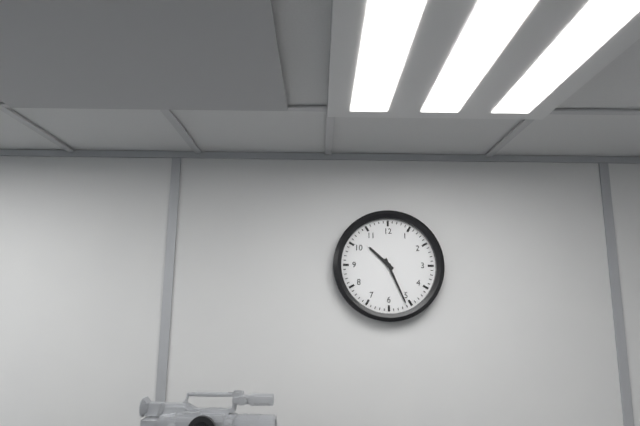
10:26
